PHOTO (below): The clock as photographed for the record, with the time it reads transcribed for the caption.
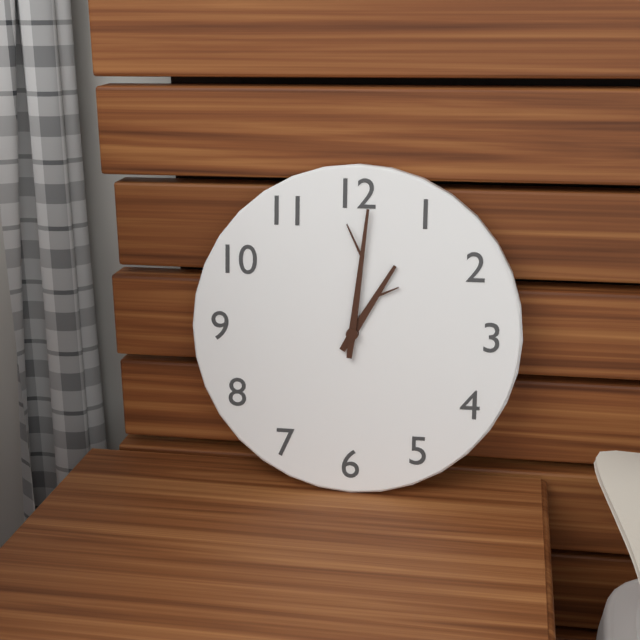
1:01
